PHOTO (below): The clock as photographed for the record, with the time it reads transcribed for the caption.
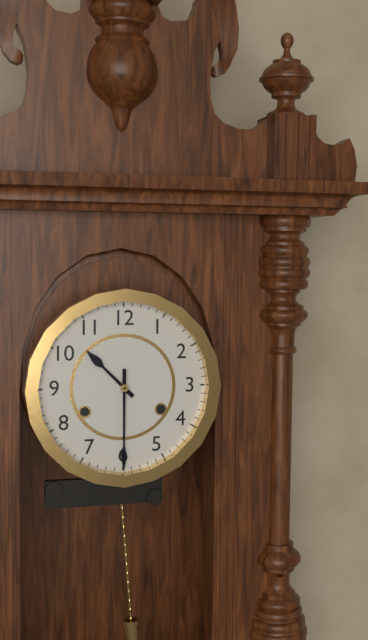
10:30
